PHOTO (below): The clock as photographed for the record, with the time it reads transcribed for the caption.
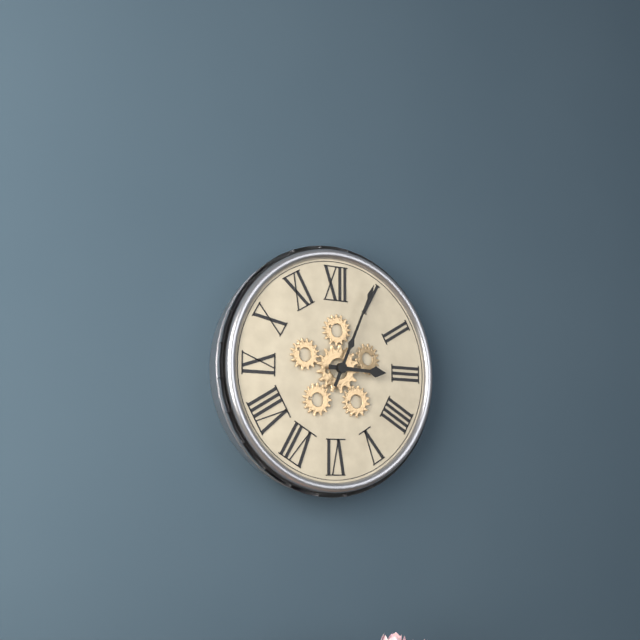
3:04
